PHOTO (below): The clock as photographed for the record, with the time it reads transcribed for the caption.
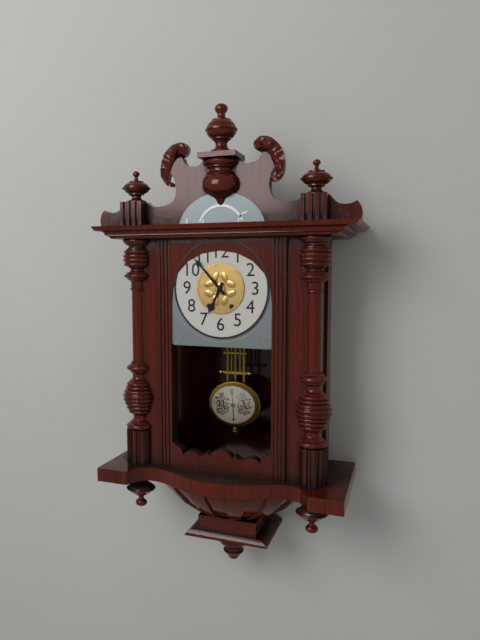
6:53
